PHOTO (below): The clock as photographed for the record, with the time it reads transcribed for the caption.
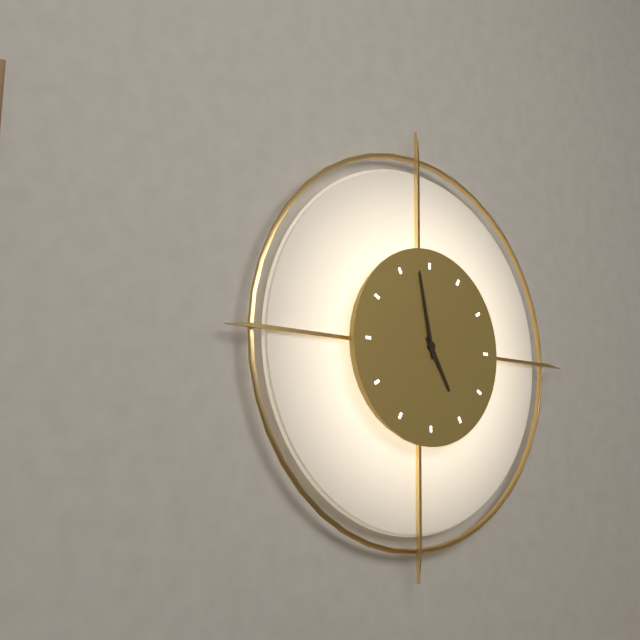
4:58
